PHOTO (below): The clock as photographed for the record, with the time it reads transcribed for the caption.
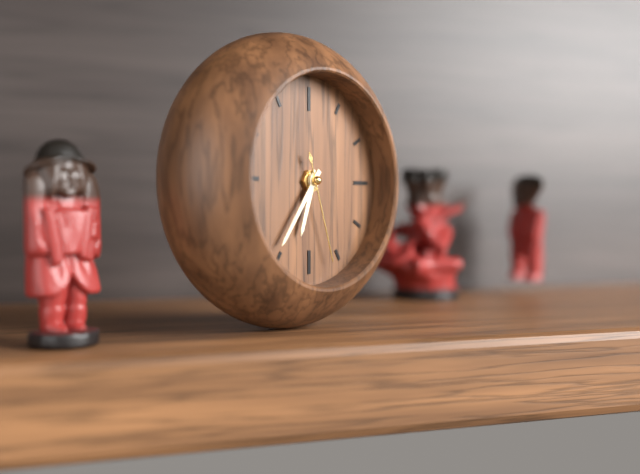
6:36:27
